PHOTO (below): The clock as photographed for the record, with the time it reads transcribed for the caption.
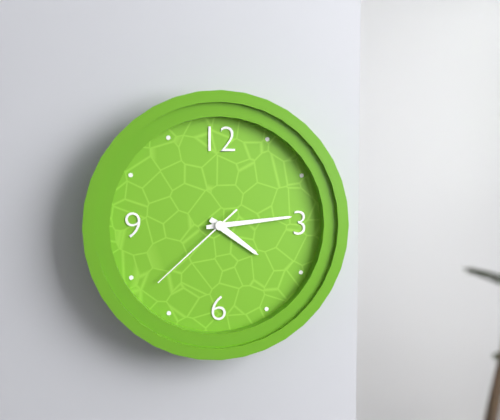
4:14:38
